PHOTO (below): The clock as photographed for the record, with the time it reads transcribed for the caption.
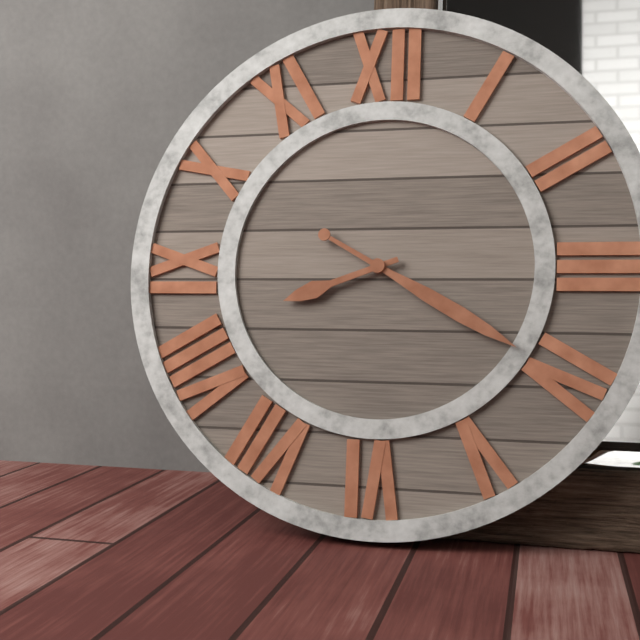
8:20
